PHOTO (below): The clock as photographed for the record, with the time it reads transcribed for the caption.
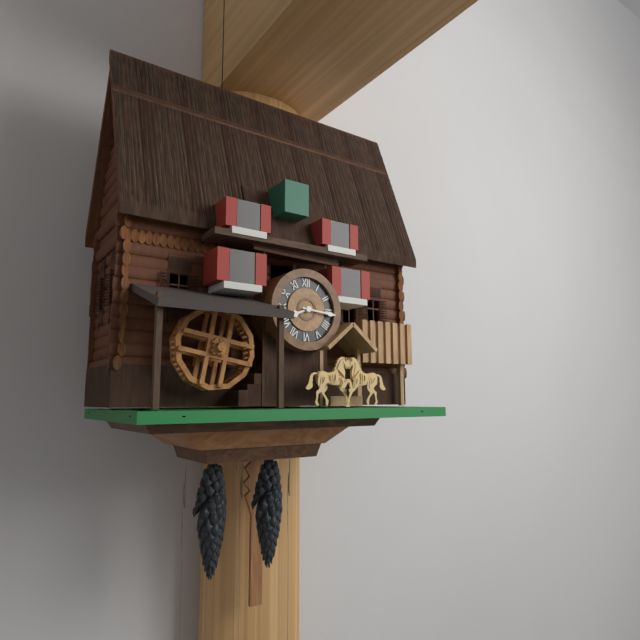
8:16
